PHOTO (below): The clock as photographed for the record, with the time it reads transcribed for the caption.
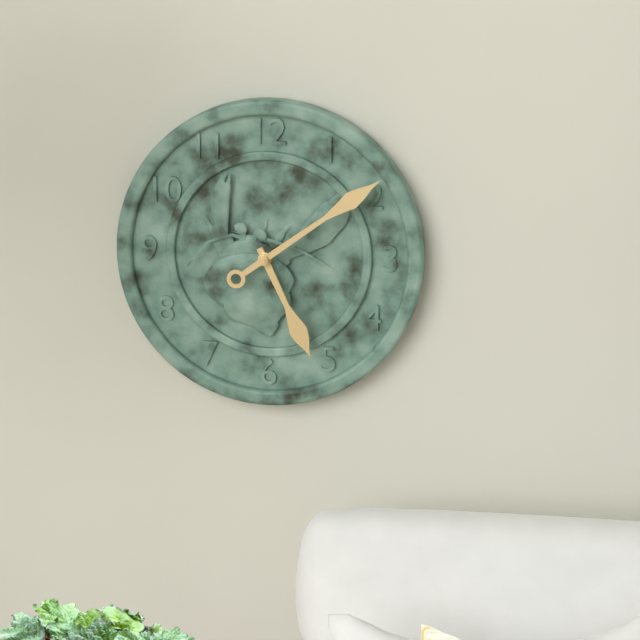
5:09
